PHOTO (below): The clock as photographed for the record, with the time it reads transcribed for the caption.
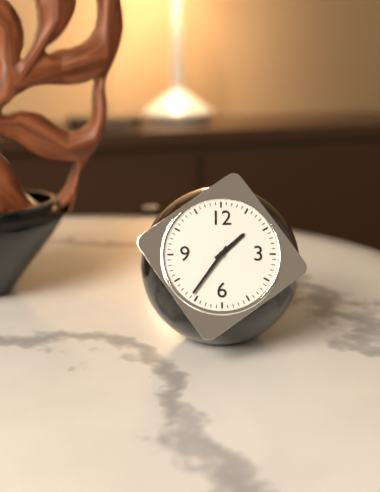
1:36
